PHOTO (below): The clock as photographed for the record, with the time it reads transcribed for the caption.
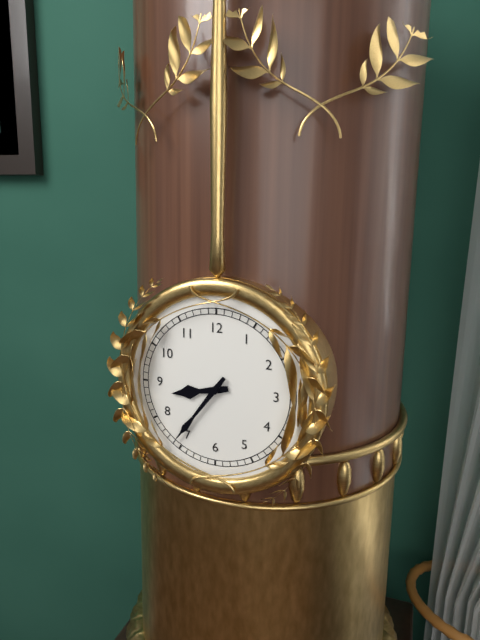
8:36
